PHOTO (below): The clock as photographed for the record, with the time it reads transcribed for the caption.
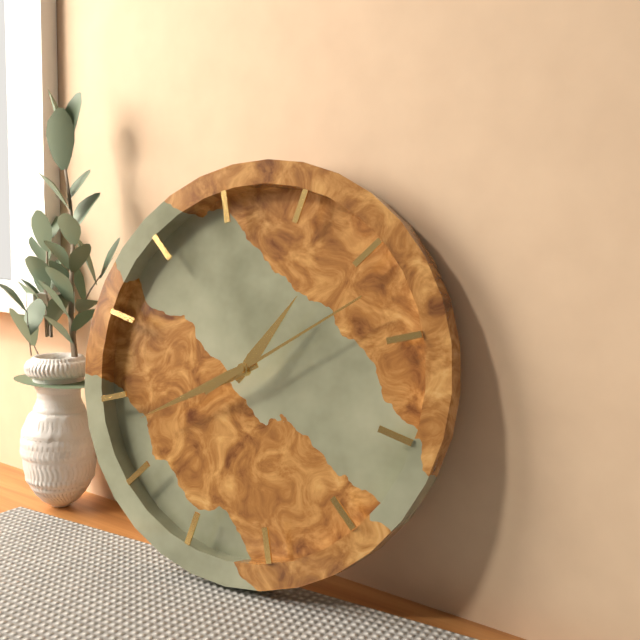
12:38:07
